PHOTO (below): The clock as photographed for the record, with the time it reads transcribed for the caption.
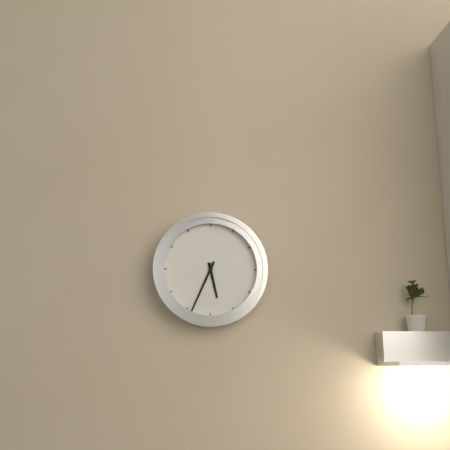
5:34
